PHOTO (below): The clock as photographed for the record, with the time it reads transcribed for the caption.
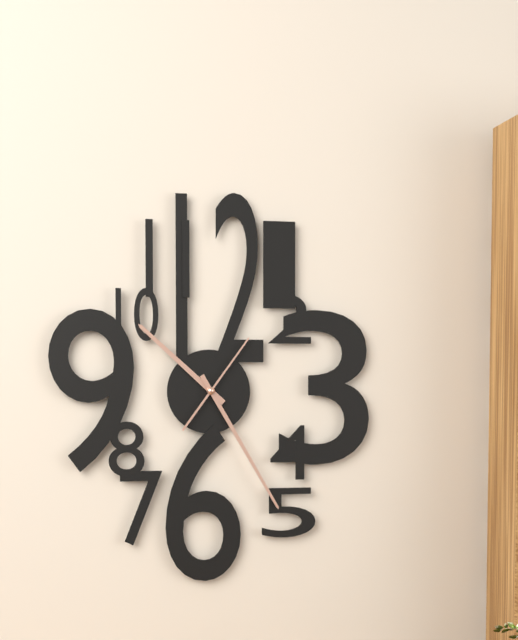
10:25:06
